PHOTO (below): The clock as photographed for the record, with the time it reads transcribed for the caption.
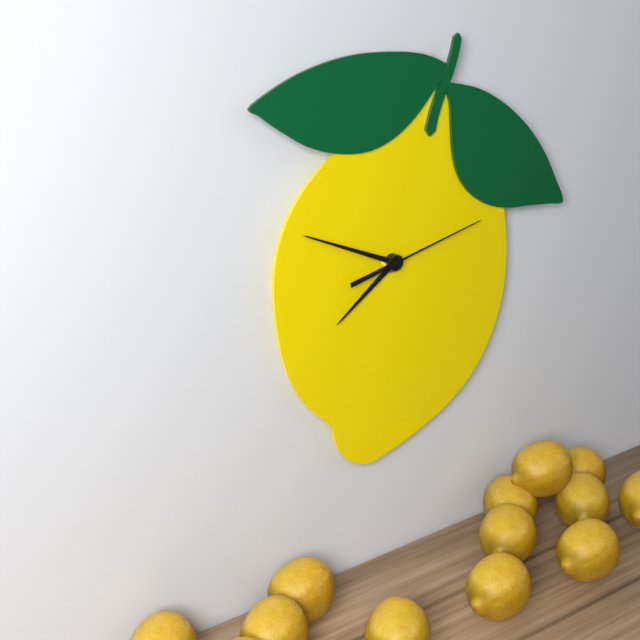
7:49:13
